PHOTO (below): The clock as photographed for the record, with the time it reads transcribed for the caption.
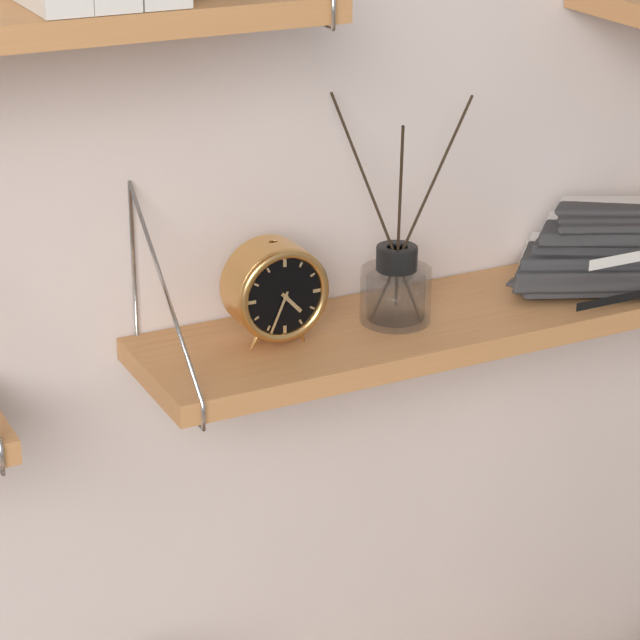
4:34
